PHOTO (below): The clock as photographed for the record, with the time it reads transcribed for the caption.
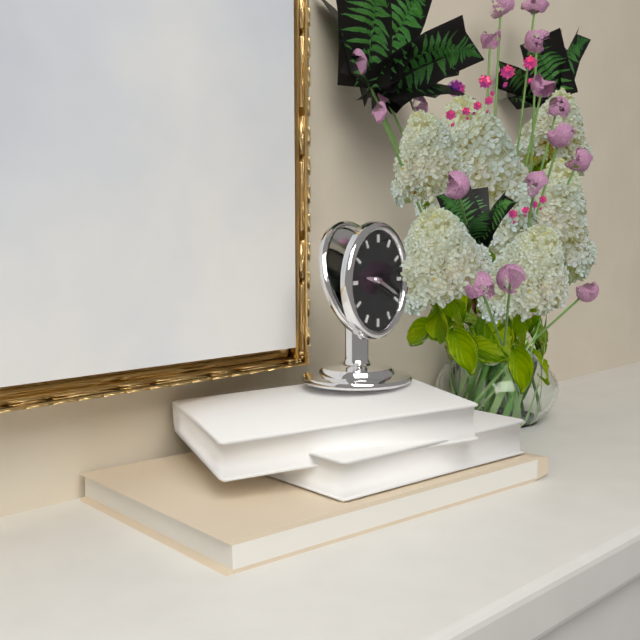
9:19
